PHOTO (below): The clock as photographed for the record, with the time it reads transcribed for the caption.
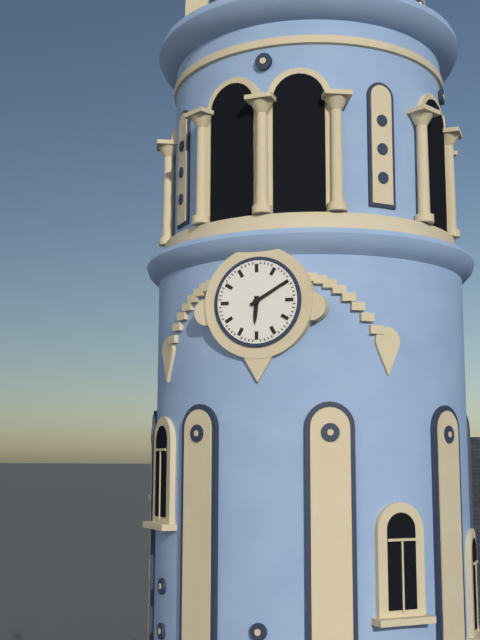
6:10
